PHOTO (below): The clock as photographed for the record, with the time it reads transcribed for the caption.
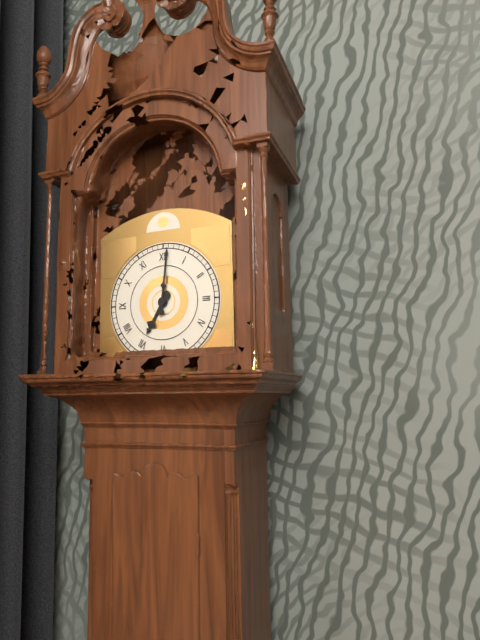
7:01
